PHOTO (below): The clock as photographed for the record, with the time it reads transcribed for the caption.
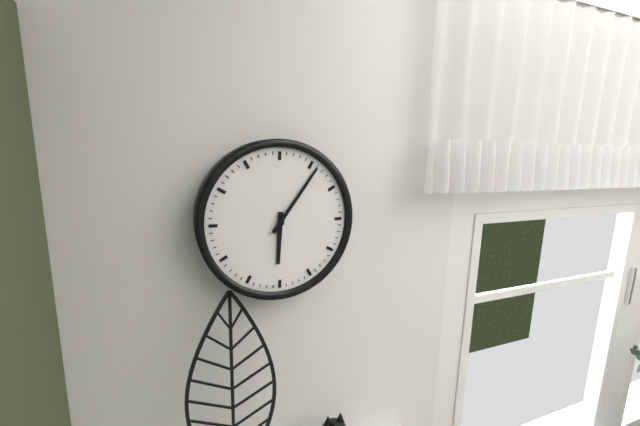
6:06
